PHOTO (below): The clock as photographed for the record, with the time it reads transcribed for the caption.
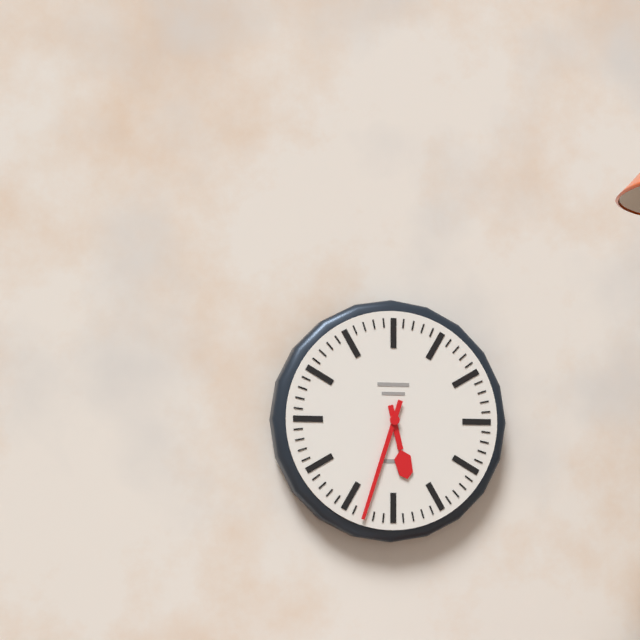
5:33
